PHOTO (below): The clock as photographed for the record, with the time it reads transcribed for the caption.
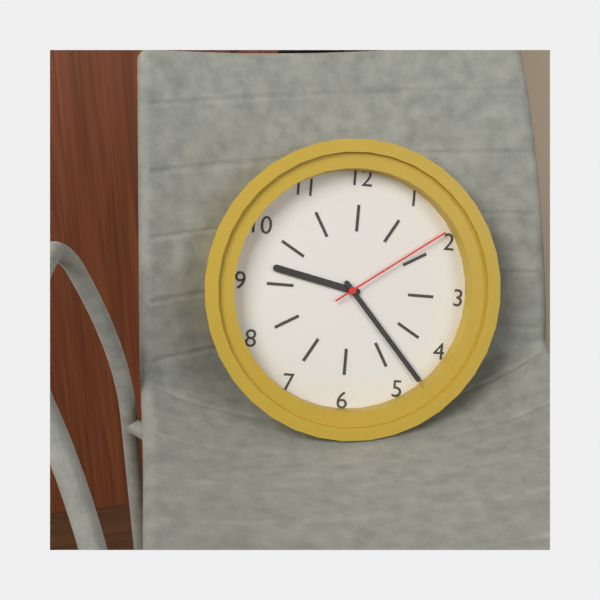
9:23:09
